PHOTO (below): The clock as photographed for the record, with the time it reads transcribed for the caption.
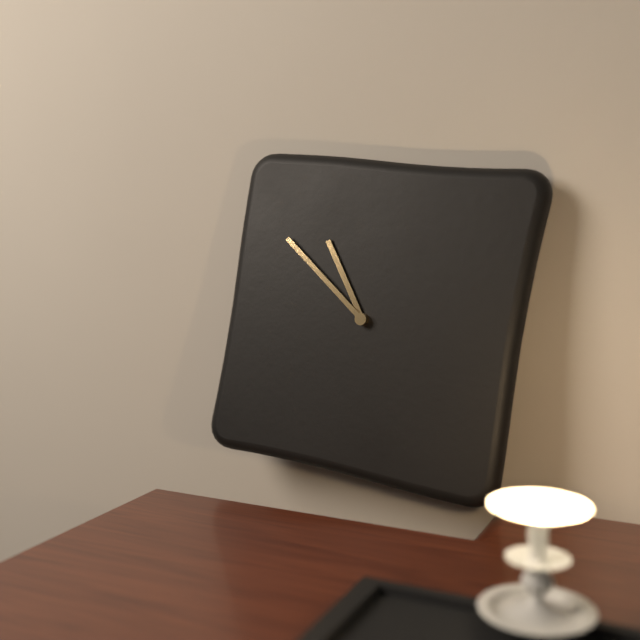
10:51
